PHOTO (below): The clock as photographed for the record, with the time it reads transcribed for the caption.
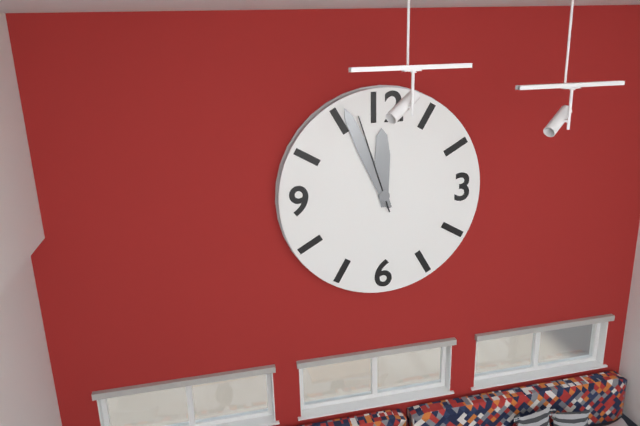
11:56:57
